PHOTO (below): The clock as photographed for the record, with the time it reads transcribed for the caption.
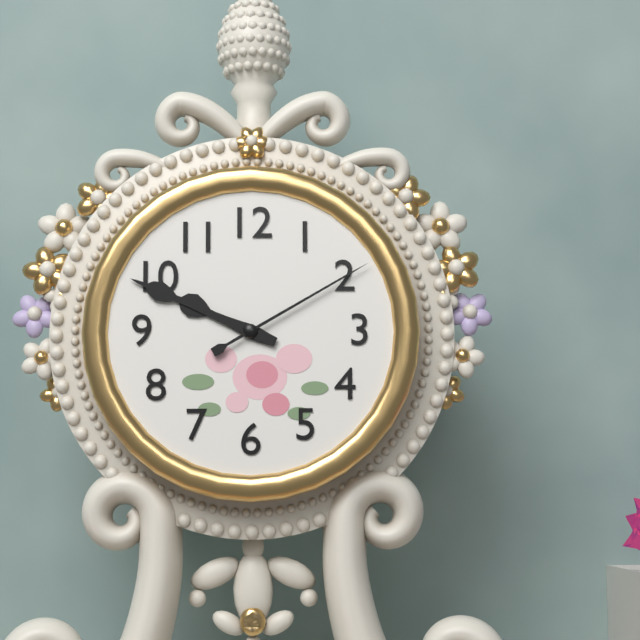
9:49:10
